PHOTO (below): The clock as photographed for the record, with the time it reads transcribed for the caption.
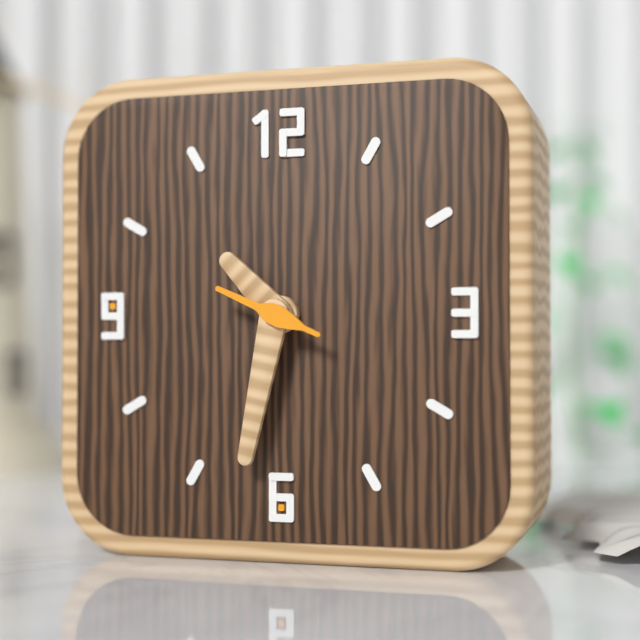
10:32:49
